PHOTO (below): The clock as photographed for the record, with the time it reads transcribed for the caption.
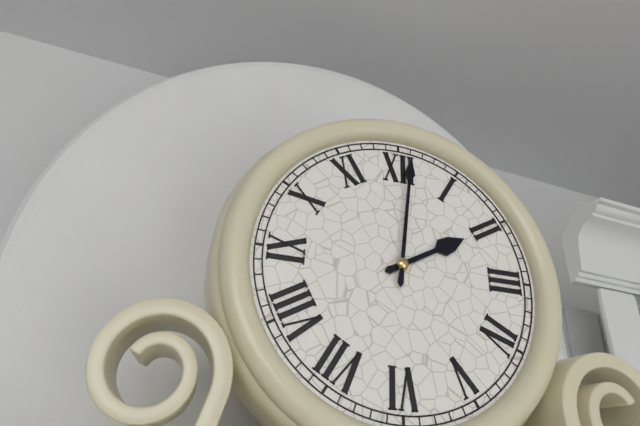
2:01
